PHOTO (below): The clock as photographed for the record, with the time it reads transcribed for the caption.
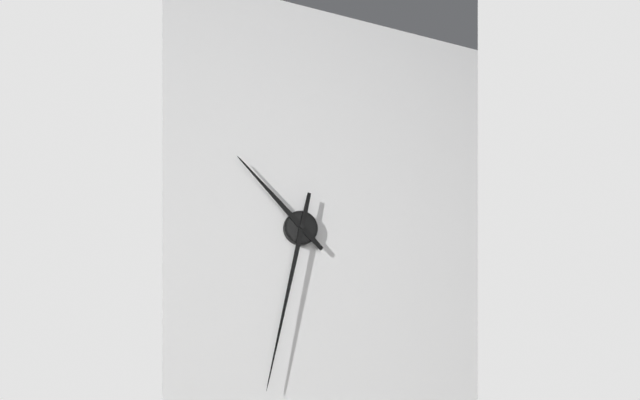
10:32
